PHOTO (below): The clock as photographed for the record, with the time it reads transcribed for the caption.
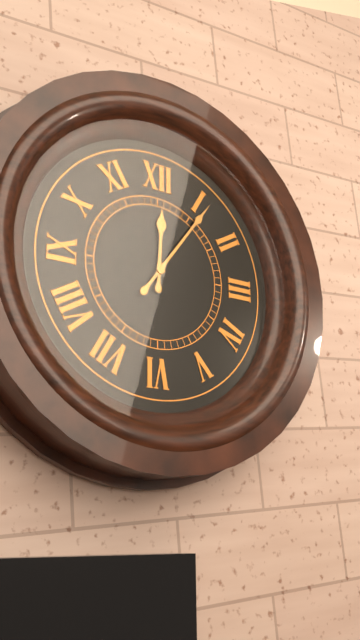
12:06
